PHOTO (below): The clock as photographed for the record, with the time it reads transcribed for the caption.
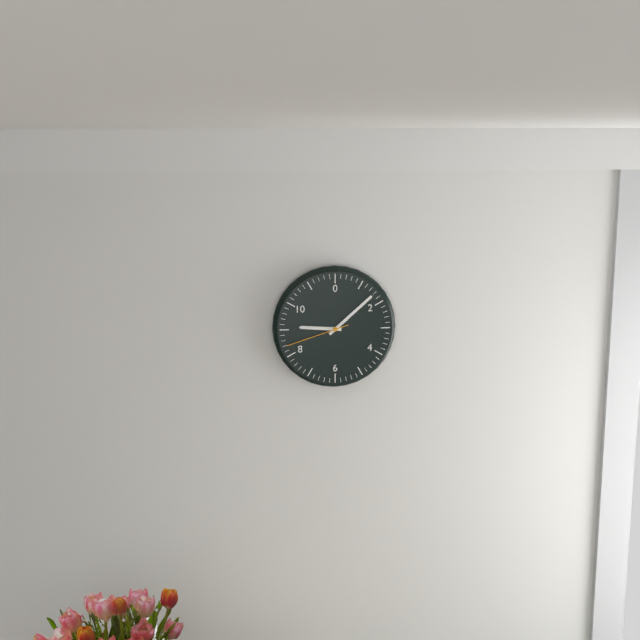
9:08:42
